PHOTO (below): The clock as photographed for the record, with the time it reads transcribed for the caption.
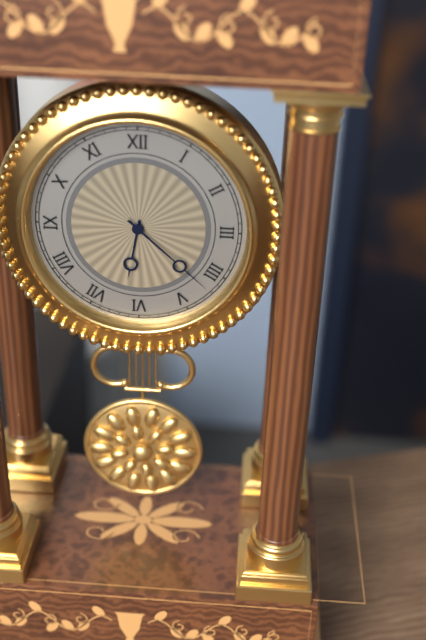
6:22
